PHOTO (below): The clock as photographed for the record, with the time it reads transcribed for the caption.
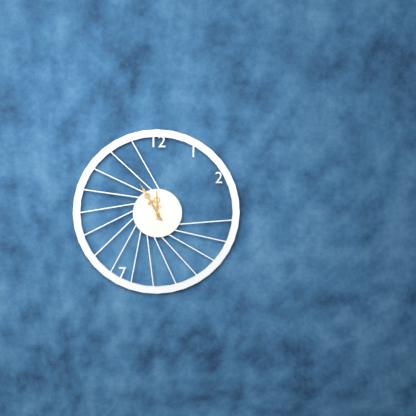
11:55
